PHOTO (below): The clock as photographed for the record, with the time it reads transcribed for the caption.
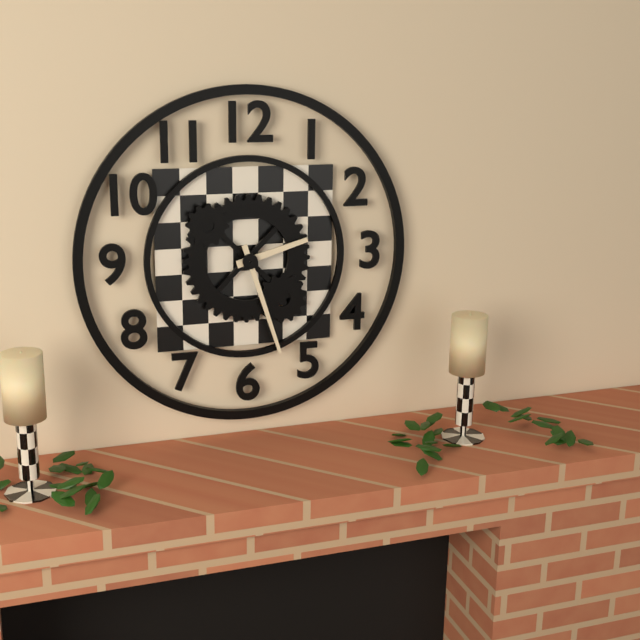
2:27
